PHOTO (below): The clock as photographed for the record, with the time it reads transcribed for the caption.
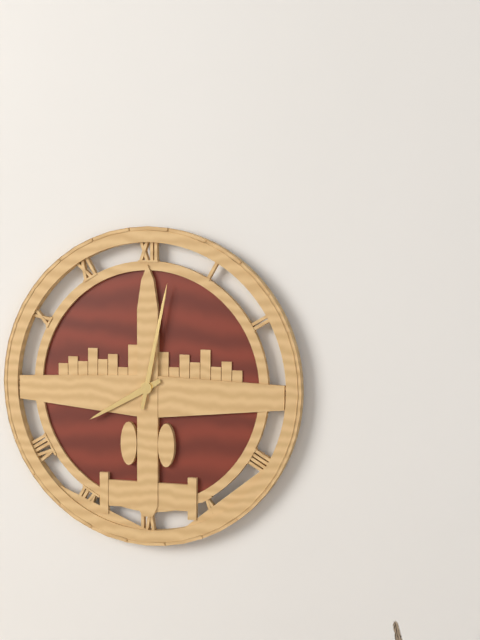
8:02
